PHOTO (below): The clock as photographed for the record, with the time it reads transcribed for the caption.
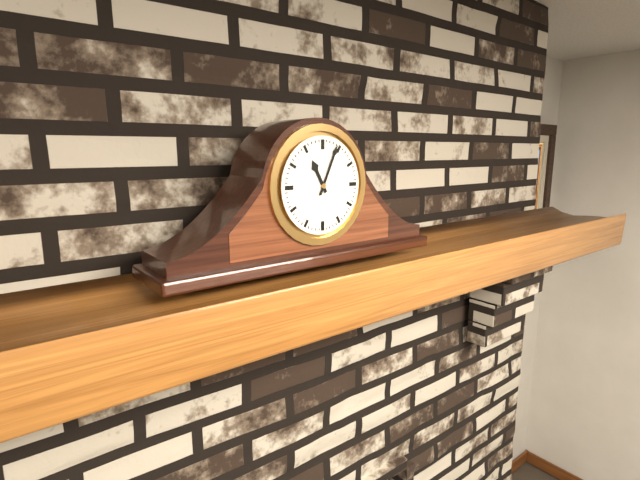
11:04
